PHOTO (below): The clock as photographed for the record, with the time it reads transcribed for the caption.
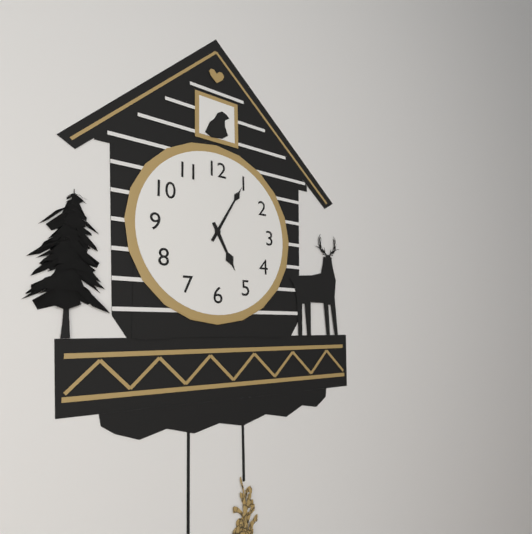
5:05
